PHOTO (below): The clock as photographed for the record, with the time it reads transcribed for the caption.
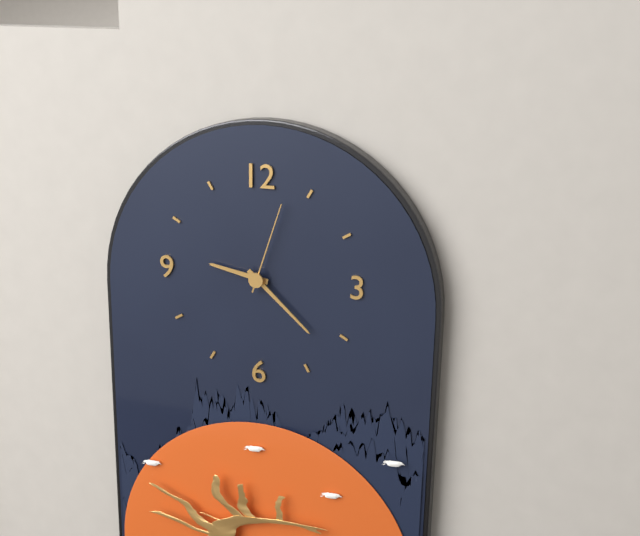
9:22:03
